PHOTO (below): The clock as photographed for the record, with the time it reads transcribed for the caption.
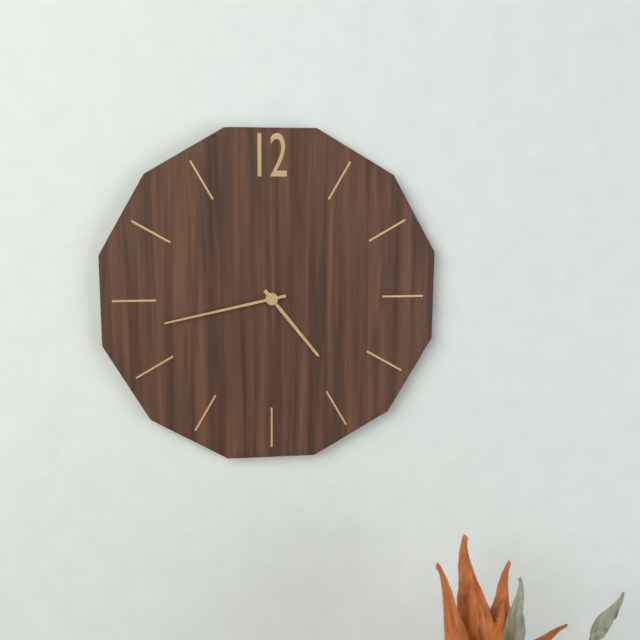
4:43
